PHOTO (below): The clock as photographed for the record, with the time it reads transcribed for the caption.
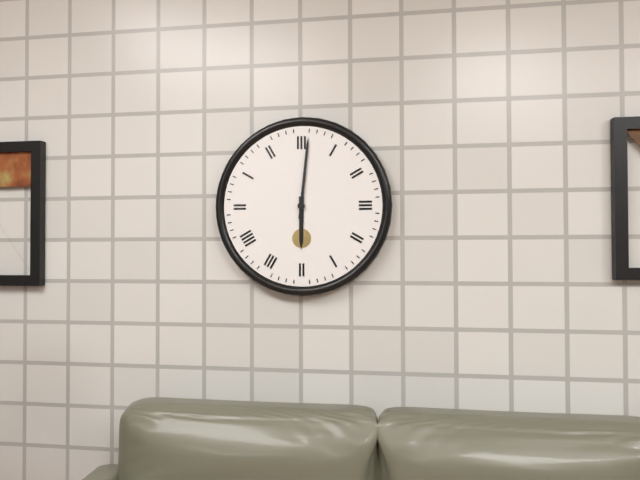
6:01
